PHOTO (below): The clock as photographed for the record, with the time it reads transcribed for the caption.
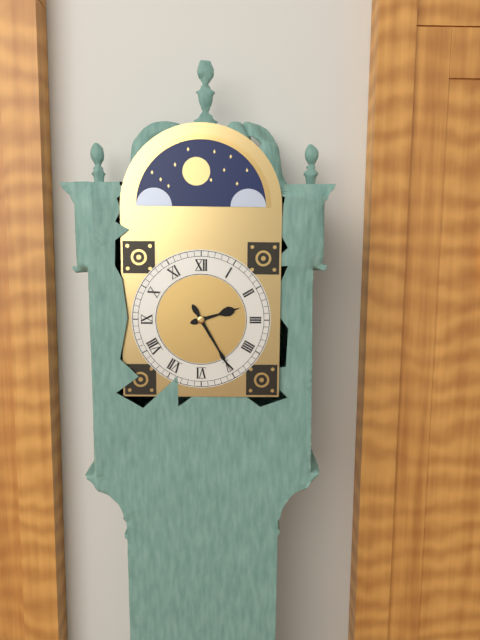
2:25
